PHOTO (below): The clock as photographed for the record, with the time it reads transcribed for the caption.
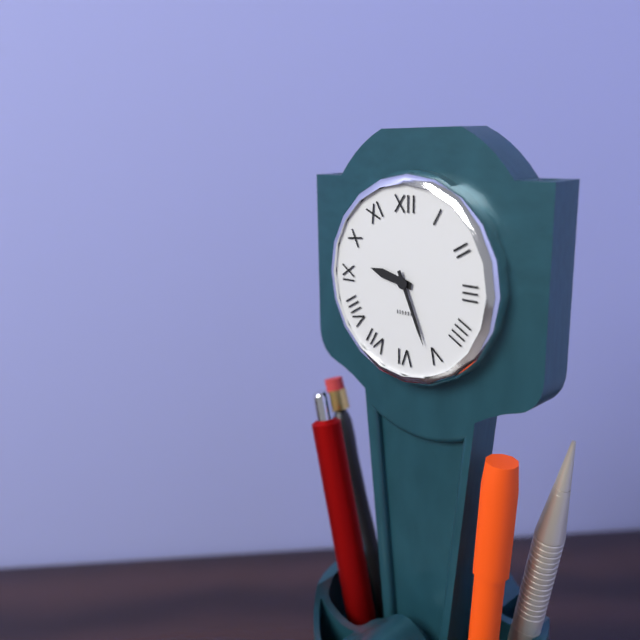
9:26
